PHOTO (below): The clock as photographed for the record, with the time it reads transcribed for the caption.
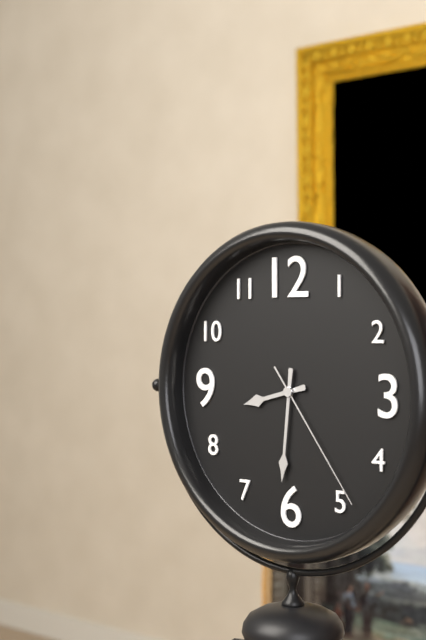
8:31:24
